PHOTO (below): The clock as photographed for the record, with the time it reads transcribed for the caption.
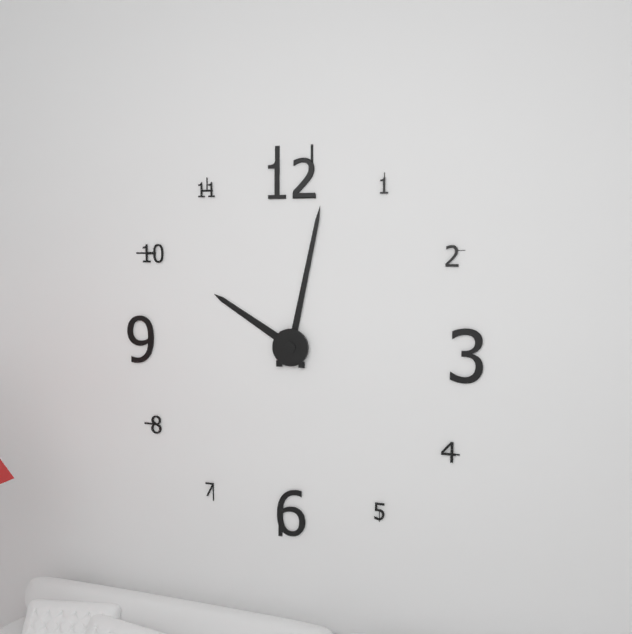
10:02
